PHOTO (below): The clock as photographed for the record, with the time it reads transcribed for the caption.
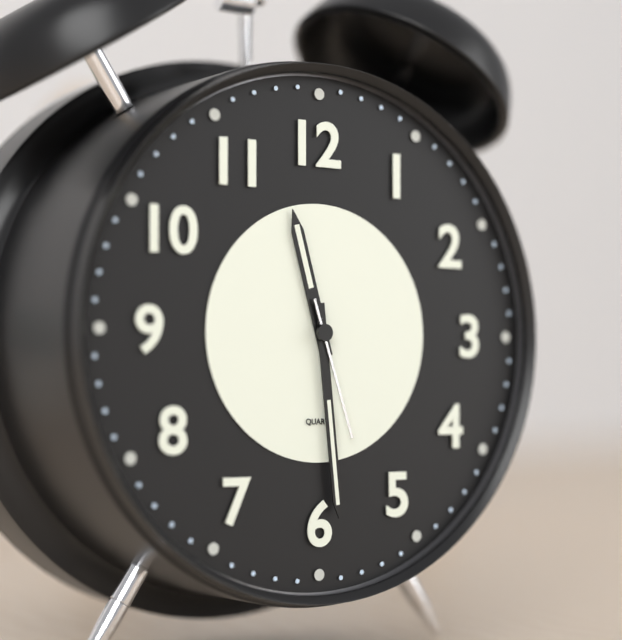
11:29:27
